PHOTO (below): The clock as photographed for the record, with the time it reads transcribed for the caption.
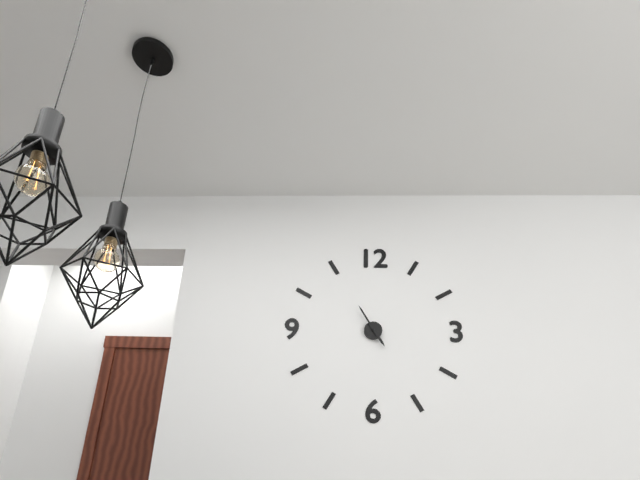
4:55
